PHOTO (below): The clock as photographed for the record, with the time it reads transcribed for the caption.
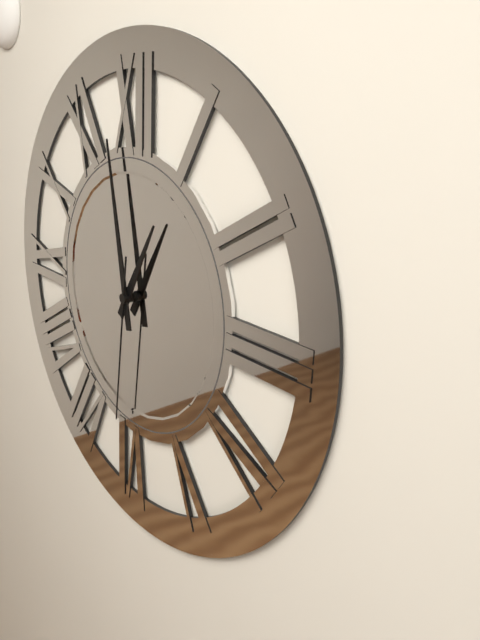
12:58:31
